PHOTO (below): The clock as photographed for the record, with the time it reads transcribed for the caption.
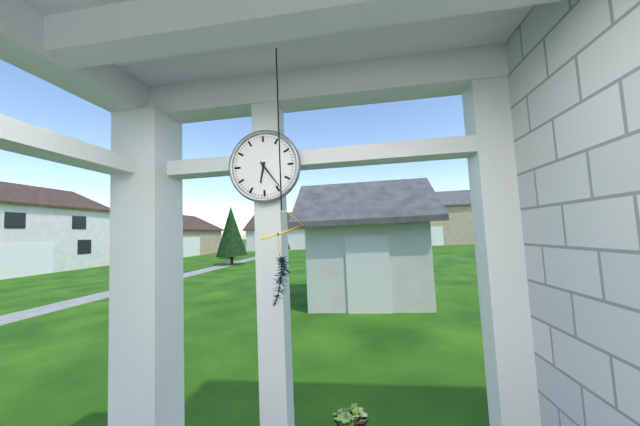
6:24
